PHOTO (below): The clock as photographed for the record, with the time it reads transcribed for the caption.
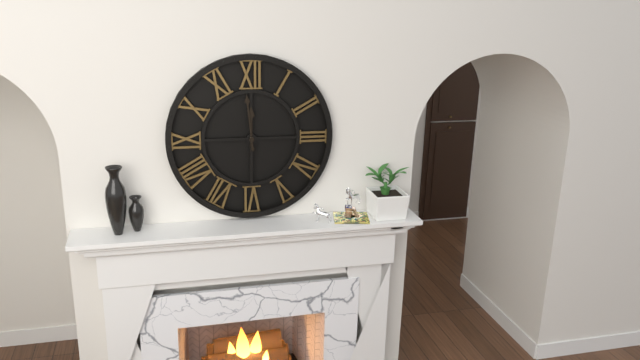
11:59
